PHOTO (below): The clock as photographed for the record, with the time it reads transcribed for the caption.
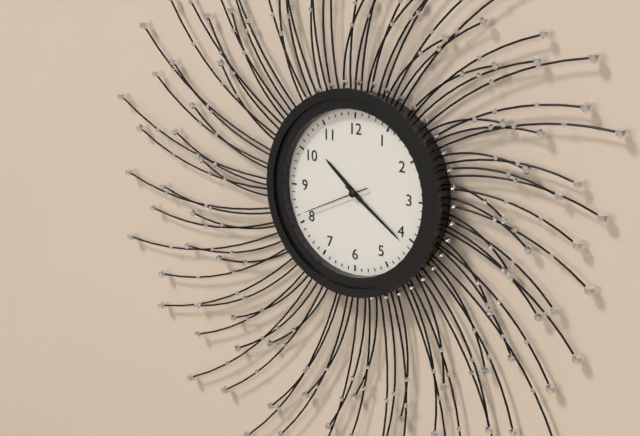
10:21:41
